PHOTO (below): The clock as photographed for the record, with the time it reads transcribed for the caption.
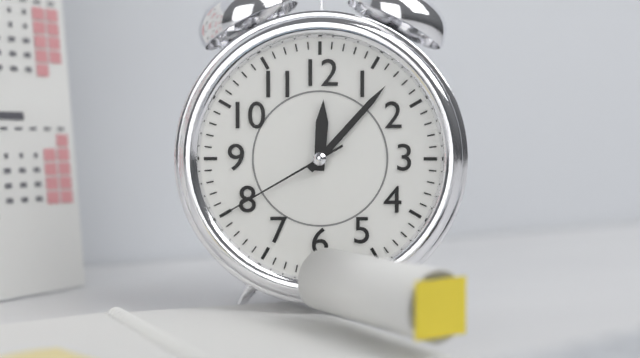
12:07:40
